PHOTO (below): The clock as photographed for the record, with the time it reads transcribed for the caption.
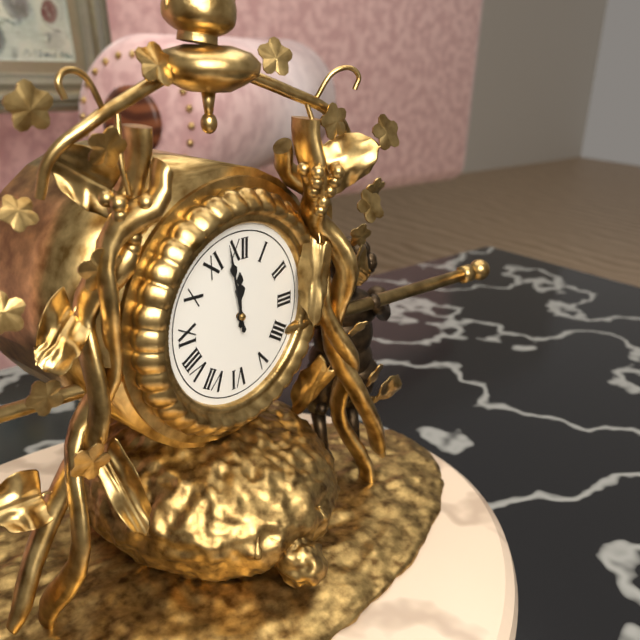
11:58
